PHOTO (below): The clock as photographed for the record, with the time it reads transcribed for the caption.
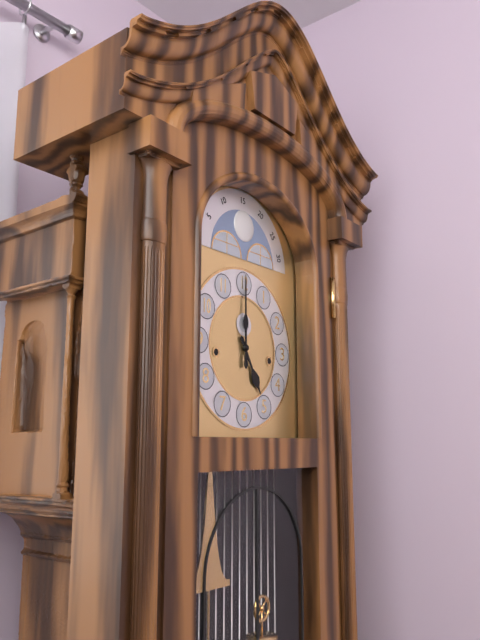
5:00
